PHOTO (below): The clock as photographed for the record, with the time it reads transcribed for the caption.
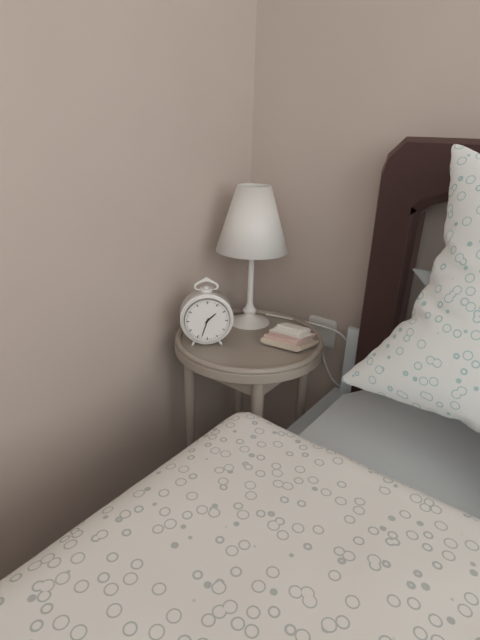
1:33
